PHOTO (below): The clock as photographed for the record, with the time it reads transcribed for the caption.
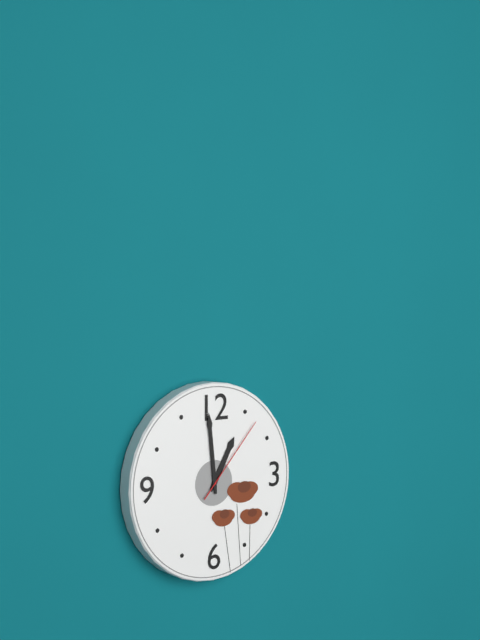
12:59:07
